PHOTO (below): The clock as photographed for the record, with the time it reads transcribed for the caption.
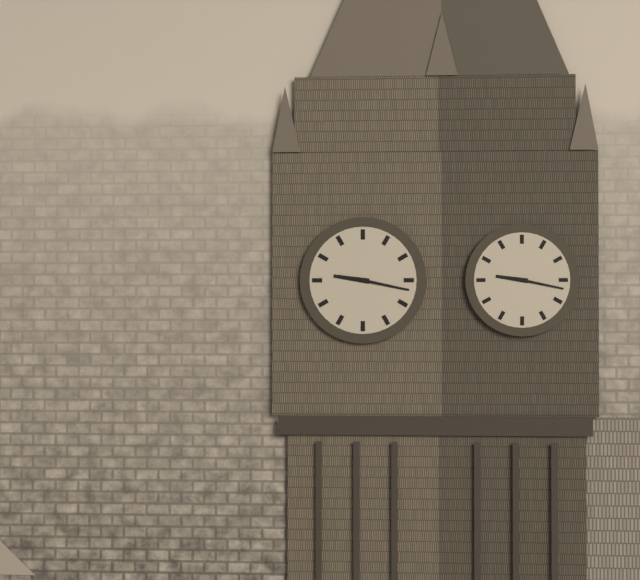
9:17
